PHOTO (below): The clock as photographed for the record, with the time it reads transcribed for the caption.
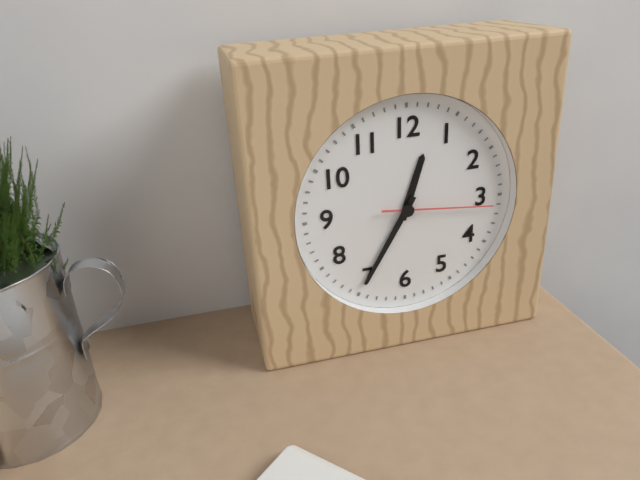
12:35:16
